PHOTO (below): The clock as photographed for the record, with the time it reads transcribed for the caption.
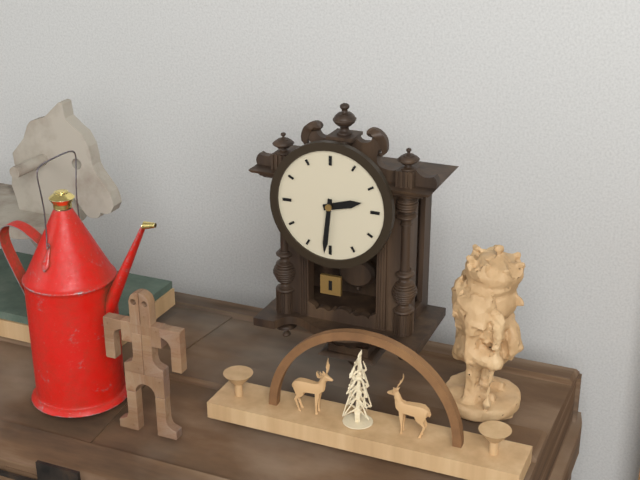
2:31
